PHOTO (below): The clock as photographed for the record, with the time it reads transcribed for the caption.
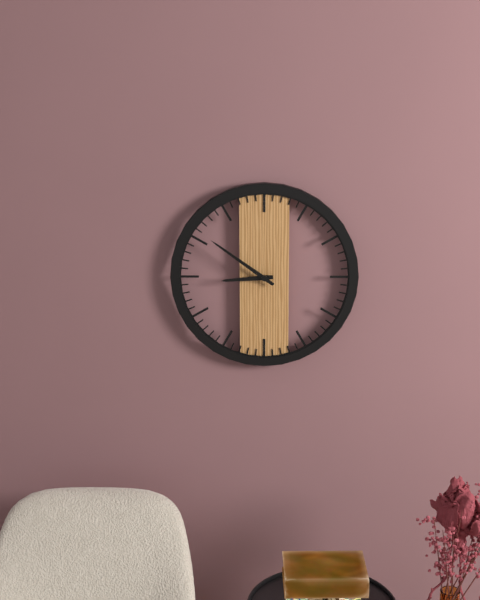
8:51
